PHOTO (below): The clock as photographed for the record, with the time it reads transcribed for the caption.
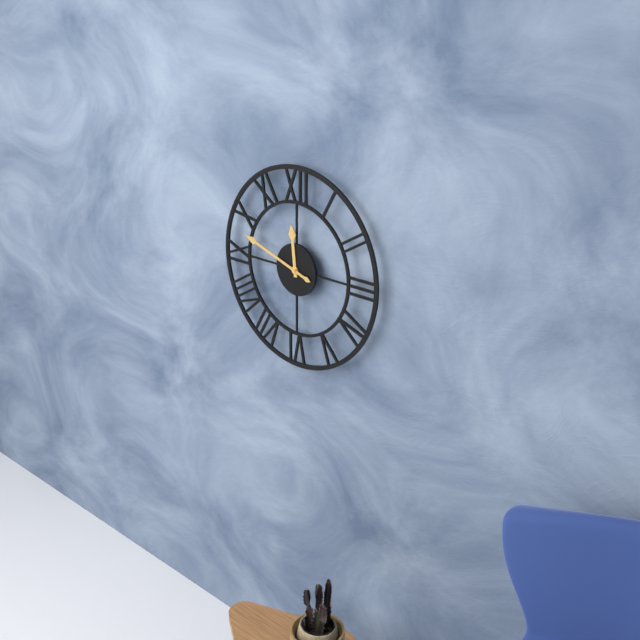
11:48
